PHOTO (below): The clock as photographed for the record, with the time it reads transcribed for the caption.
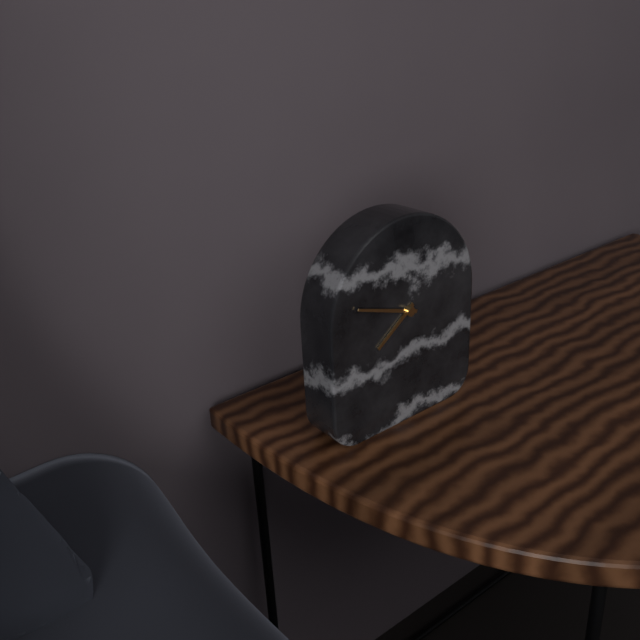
7:48
